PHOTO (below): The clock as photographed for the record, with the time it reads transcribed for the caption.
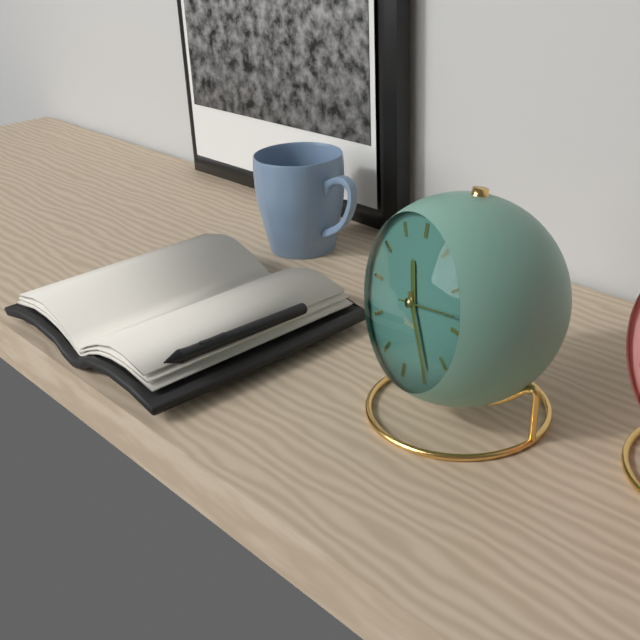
11:24:13
